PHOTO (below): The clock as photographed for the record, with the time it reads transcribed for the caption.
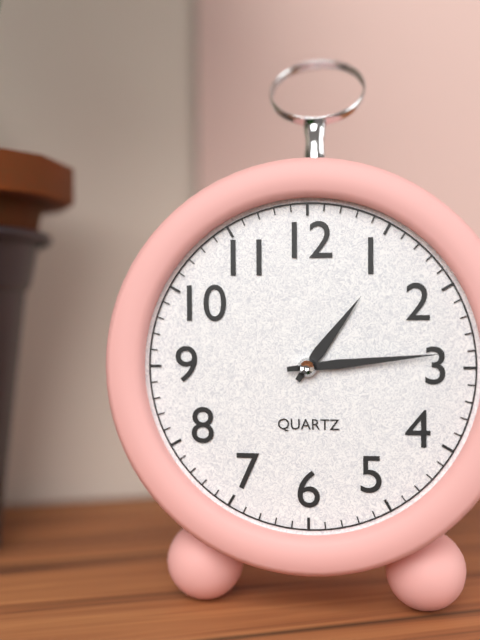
1:14
